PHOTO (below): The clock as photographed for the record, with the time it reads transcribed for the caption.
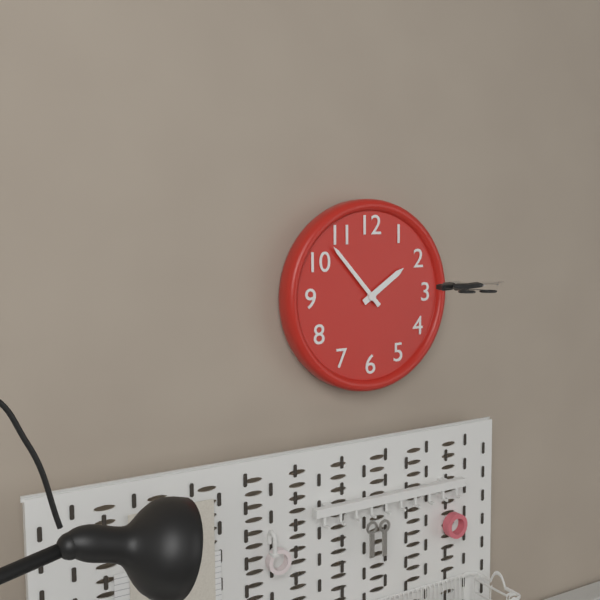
1:53
